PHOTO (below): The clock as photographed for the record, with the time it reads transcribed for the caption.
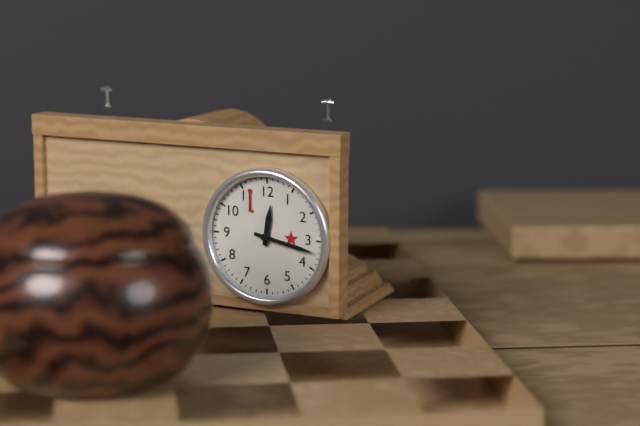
12:17
